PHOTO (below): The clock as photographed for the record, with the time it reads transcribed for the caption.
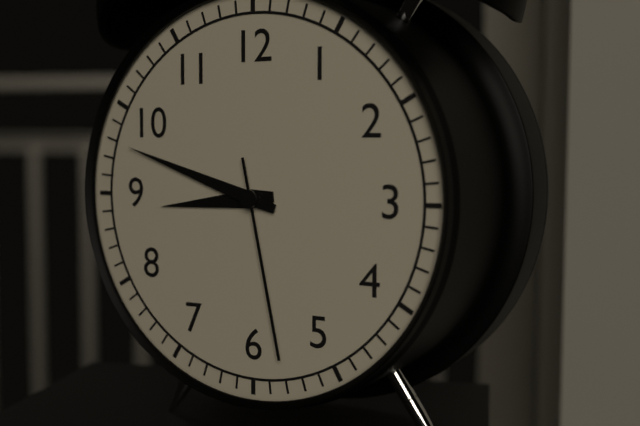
8:48:28
